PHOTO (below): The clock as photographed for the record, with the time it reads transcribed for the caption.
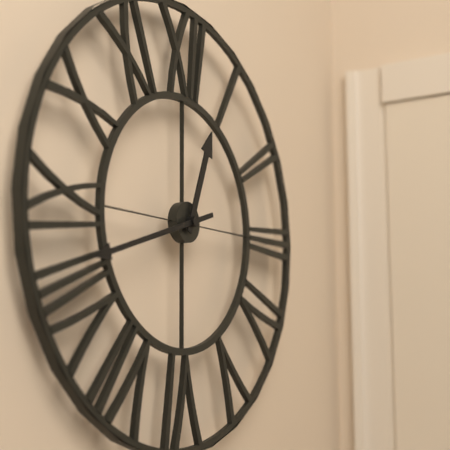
12:42
